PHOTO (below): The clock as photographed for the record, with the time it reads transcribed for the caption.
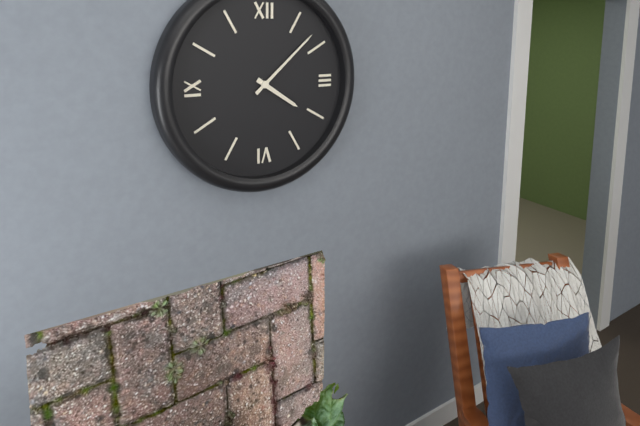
4:08
